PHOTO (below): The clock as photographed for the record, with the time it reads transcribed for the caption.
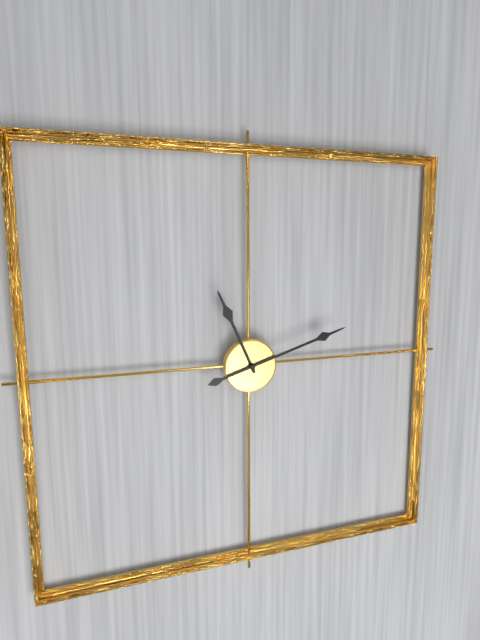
11:12
